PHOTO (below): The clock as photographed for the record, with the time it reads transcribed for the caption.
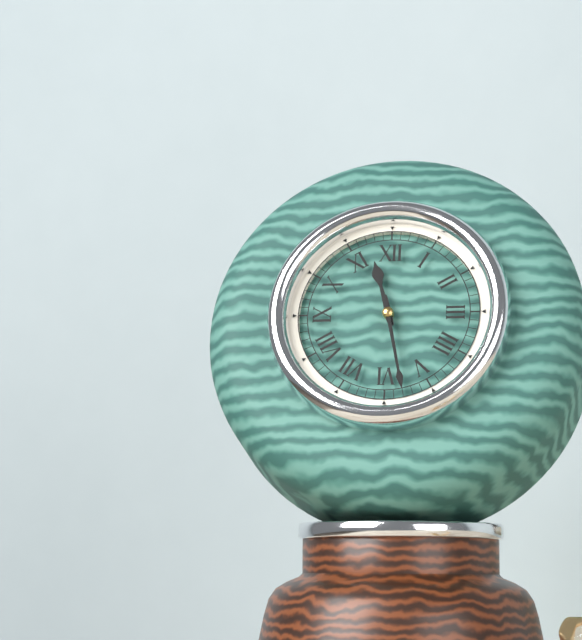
11:28
